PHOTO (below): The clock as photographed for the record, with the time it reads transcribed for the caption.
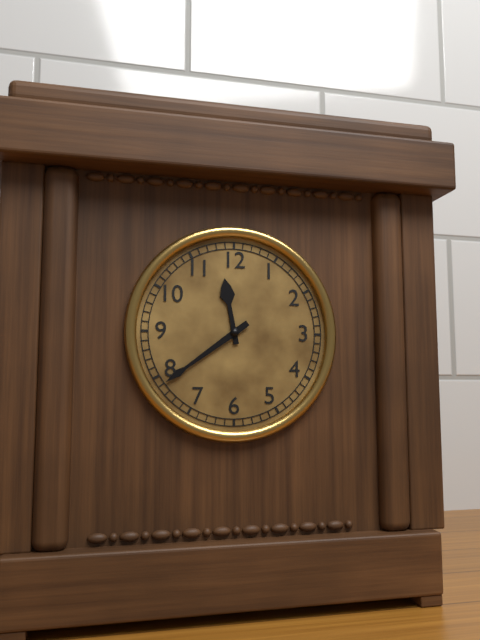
11:39
